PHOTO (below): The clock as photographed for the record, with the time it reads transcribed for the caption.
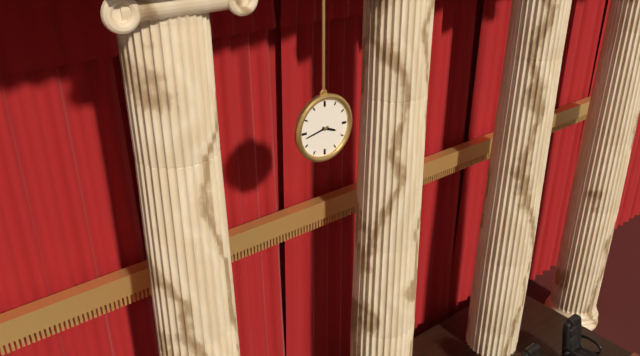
3:43
